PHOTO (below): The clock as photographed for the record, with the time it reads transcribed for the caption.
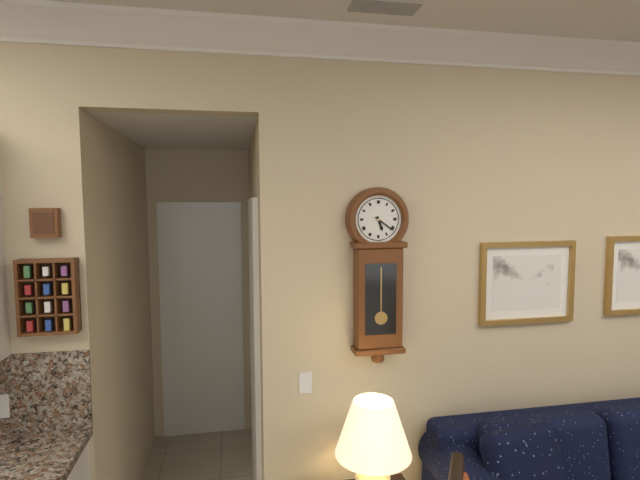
5:21
